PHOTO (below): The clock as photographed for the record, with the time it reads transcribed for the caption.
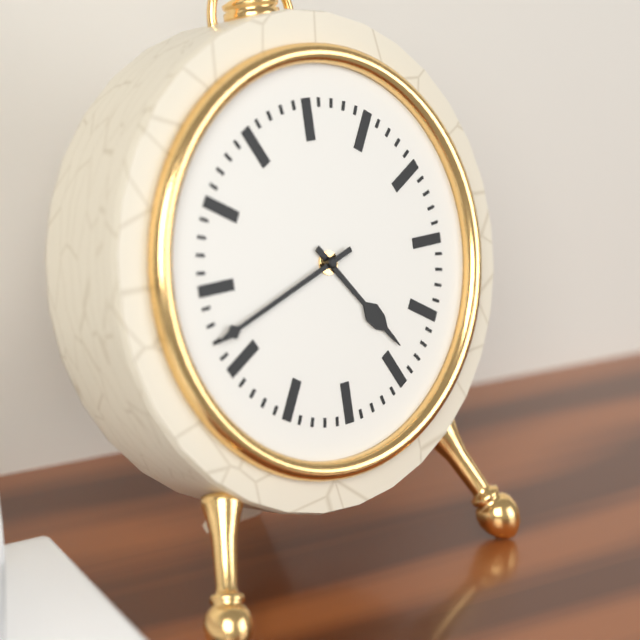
4:42
